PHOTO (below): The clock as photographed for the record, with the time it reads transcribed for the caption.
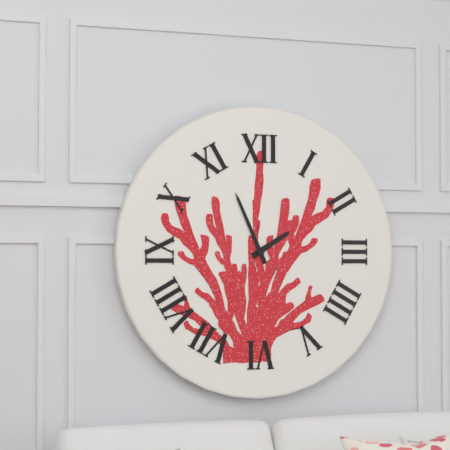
1:56
